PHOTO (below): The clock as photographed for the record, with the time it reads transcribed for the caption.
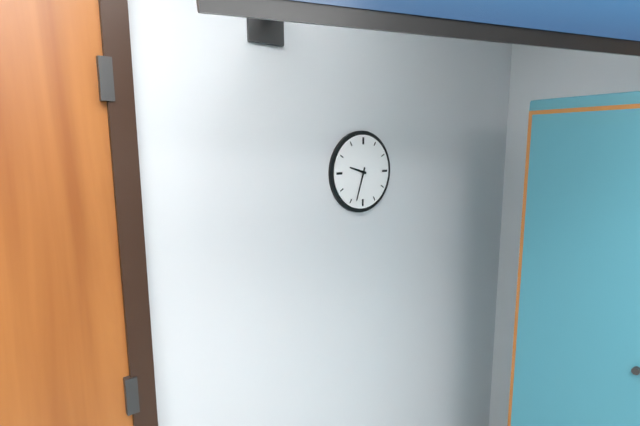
9:33
